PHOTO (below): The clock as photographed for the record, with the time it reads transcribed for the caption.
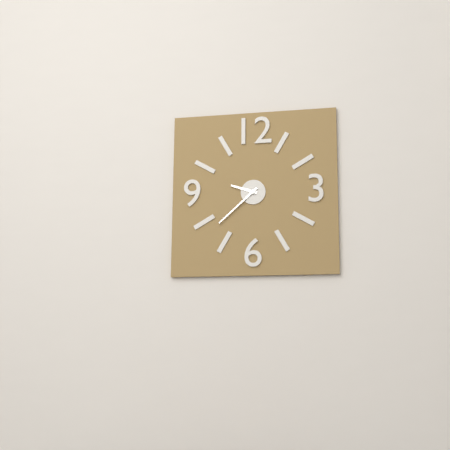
9:38
